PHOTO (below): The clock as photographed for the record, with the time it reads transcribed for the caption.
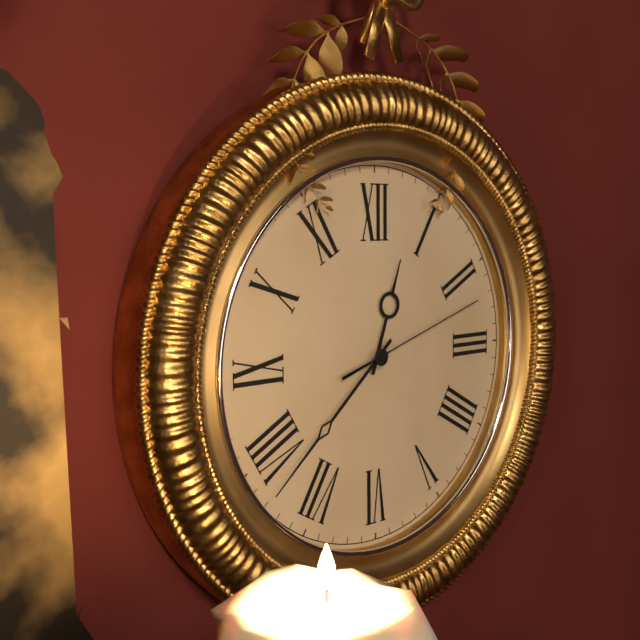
12:38:12
